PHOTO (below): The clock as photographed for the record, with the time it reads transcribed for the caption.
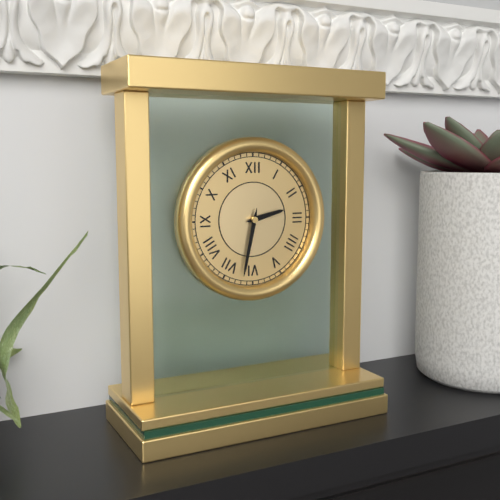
2:32
